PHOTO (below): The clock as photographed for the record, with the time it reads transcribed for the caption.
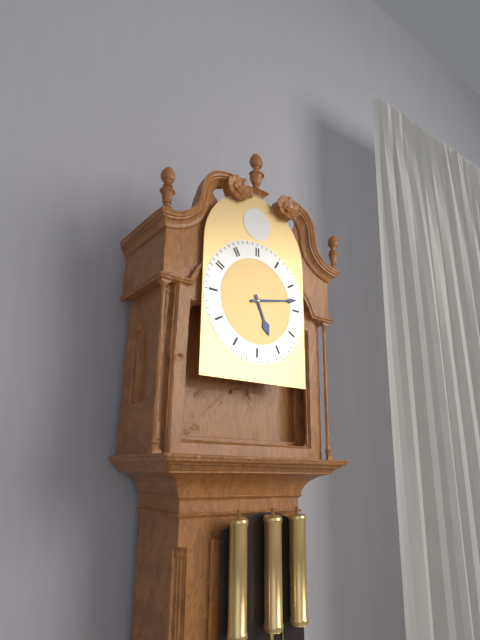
5:13
